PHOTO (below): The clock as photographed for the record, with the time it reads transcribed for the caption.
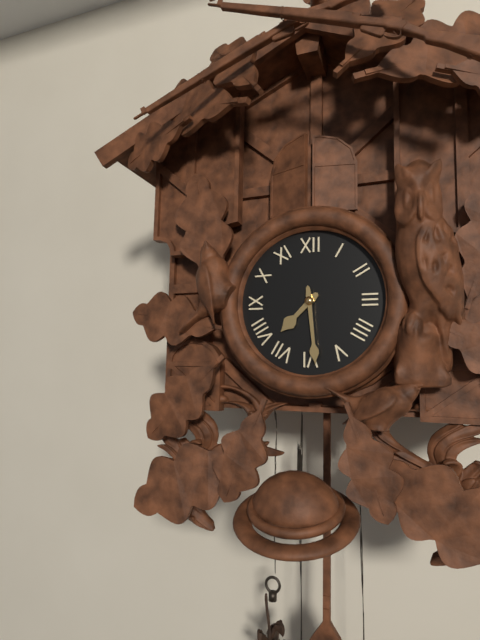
7:29
